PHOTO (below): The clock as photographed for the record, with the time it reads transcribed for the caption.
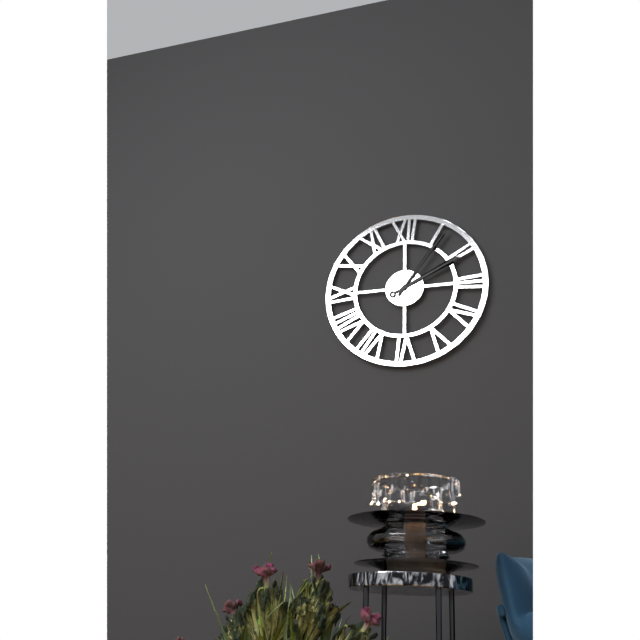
2:06
